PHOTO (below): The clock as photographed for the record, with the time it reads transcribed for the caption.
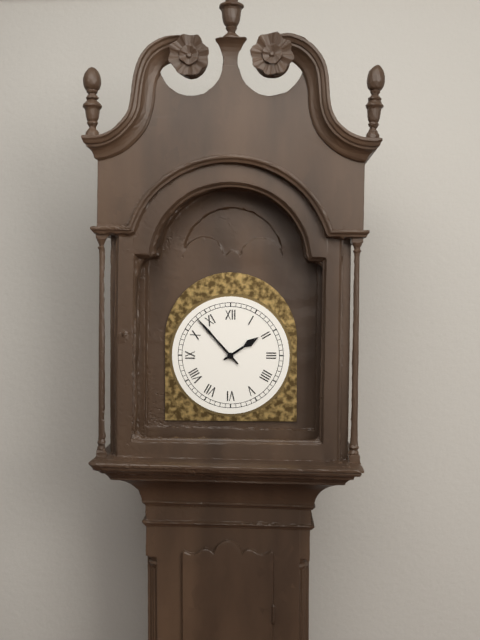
1:53
